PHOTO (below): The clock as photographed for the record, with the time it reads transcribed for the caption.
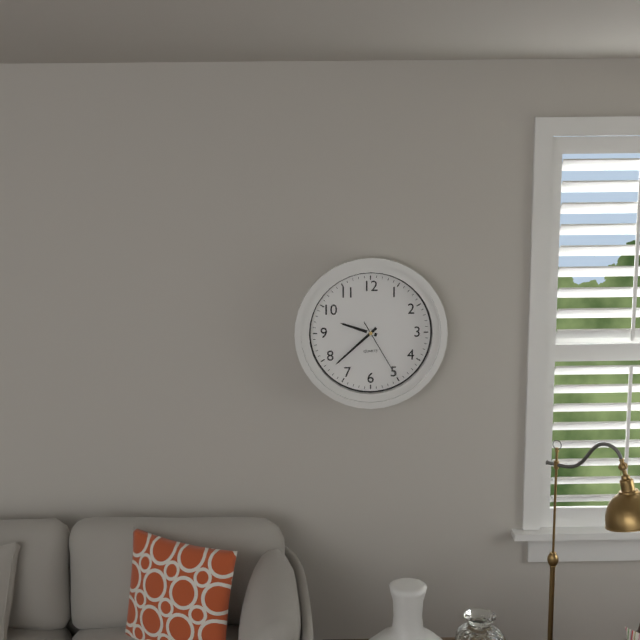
9:38:25
